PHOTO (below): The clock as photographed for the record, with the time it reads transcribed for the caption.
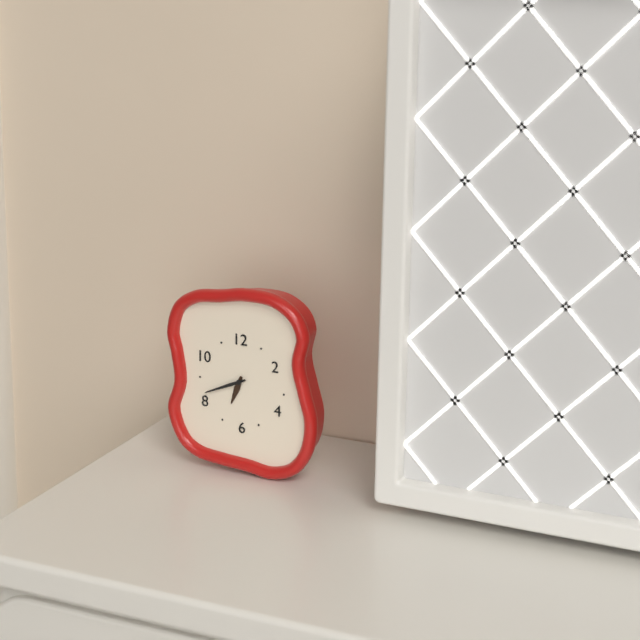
6:41
